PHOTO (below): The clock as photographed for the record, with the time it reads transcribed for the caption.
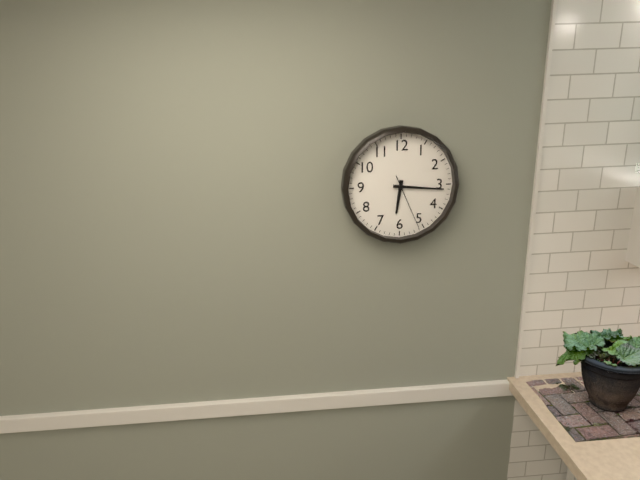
6:16:26
